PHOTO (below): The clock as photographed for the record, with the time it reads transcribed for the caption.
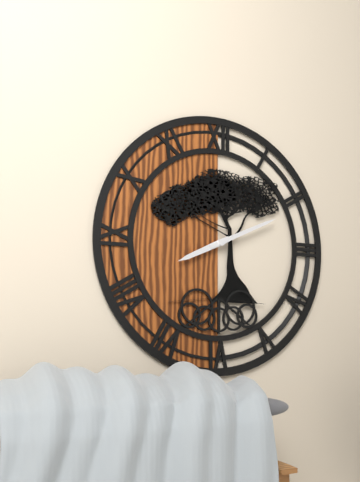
8:11
